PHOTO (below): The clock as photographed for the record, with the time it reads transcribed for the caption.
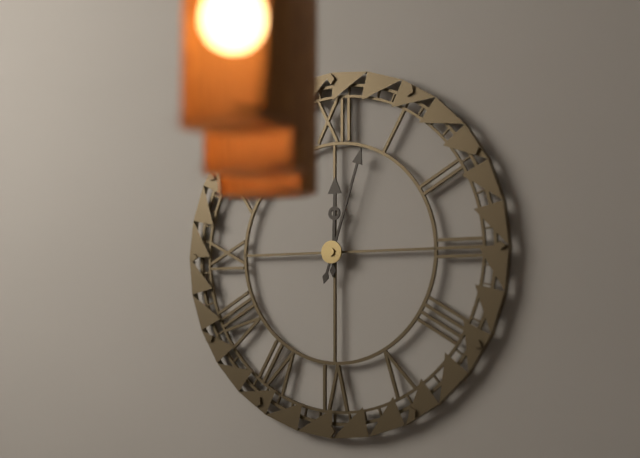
12:03
